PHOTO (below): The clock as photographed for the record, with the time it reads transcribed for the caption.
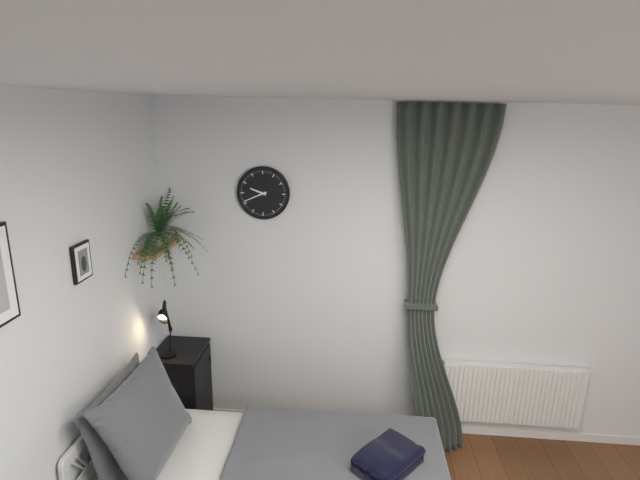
9:41
